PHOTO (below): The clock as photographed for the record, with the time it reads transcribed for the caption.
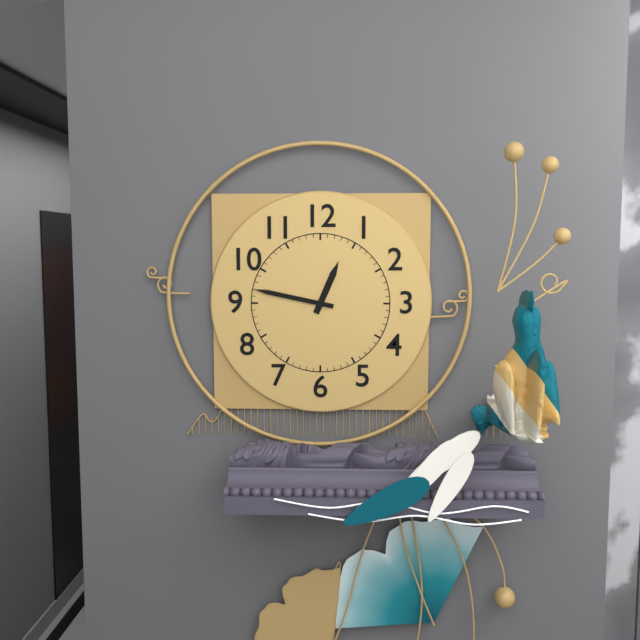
12:47
